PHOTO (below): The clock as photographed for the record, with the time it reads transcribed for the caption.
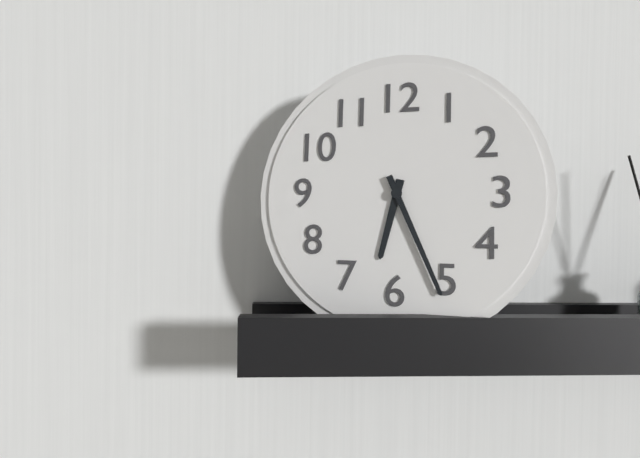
6:26
